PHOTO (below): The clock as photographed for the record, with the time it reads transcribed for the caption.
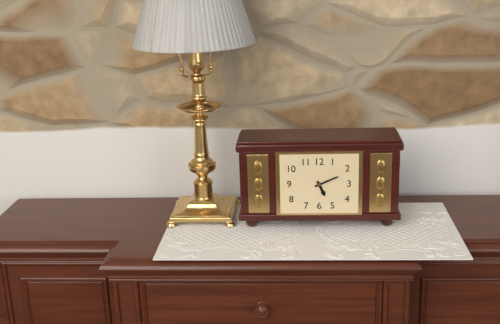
5:11
